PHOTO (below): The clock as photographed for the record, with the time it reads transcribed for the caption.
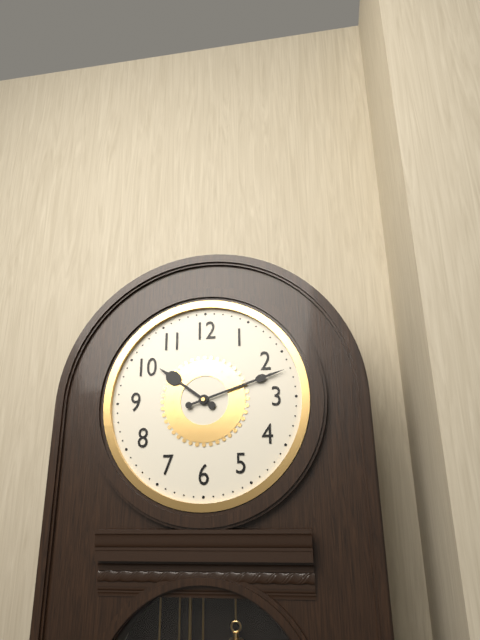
10:12
